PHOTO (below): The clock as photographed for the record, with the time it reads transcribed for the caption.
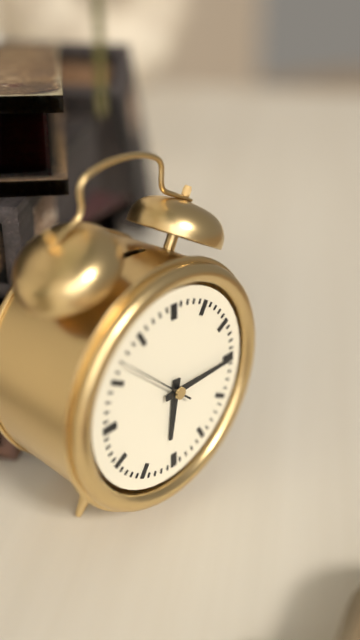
6:15:52
